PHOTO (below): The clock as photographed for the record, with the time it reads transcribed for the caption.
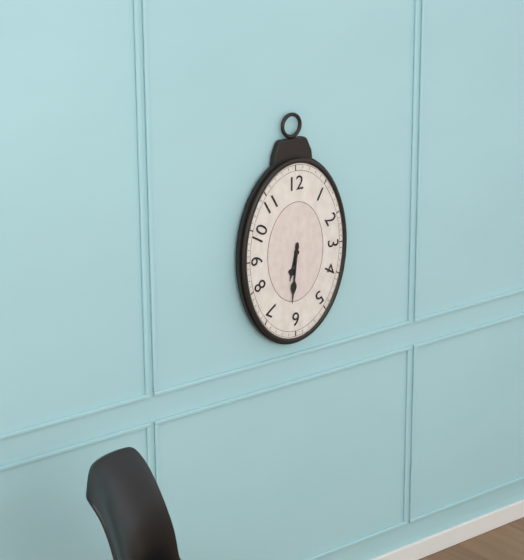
6:31
